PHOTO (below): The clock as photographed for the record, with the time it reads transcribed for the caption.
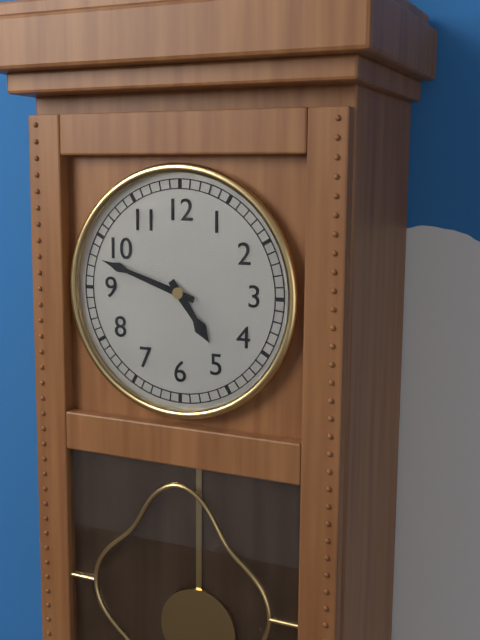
4:48
